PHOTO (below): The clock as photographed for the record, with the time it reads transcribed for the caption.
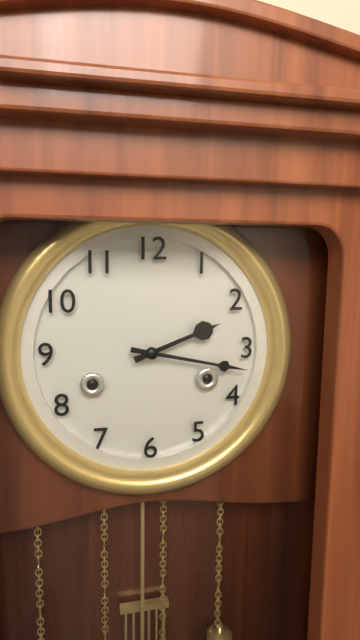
2:17
